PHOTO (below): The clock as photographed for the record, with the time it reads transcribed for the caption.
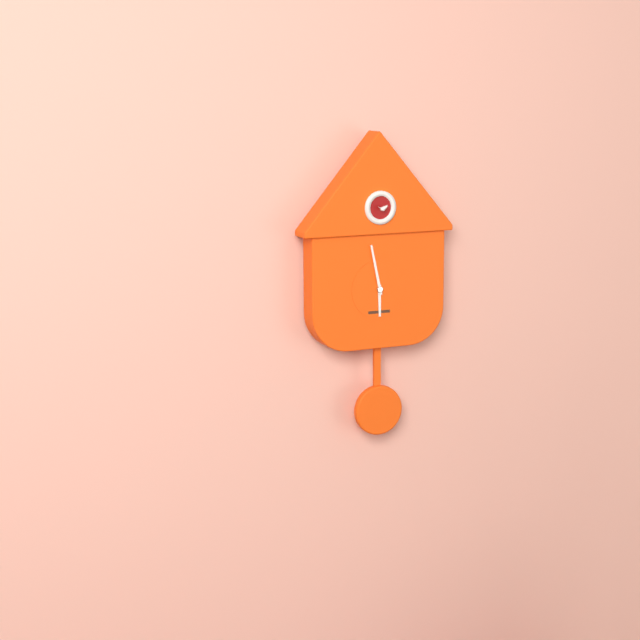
5:58
